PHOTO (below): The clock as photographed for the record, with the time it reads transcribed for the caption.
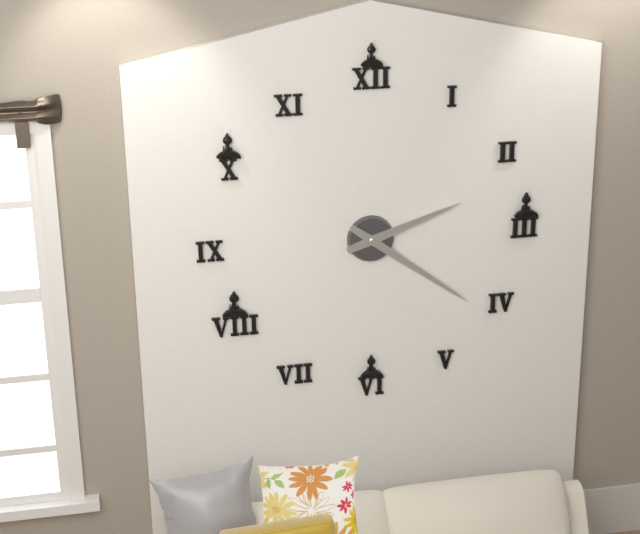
2:21
